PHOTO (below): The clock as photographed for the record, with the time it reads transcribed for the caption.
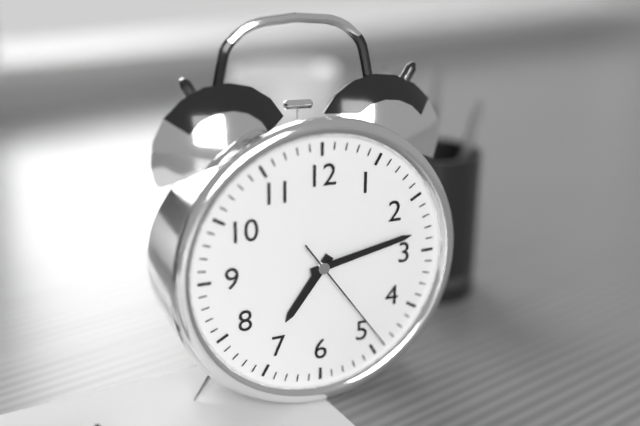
7:13:24
